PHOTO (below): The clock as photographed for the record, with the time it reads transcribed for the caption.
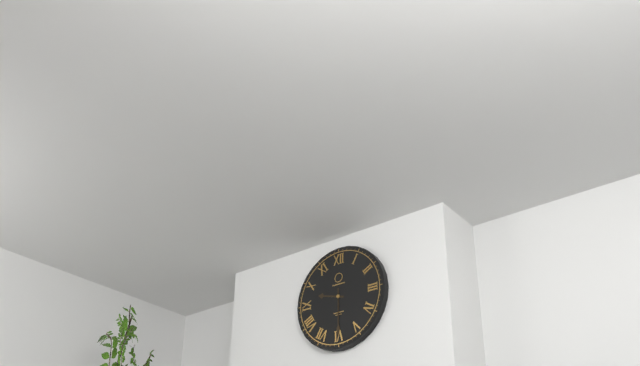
9:30
